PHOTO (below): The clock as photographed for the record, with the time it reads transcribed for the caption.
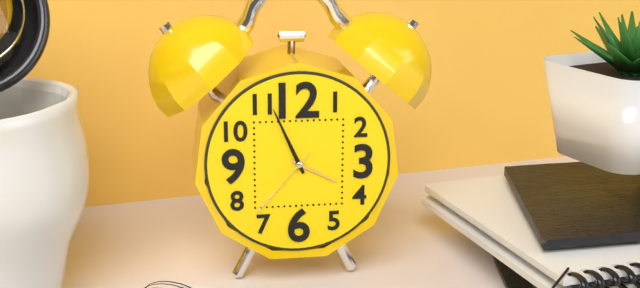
3:56:37
